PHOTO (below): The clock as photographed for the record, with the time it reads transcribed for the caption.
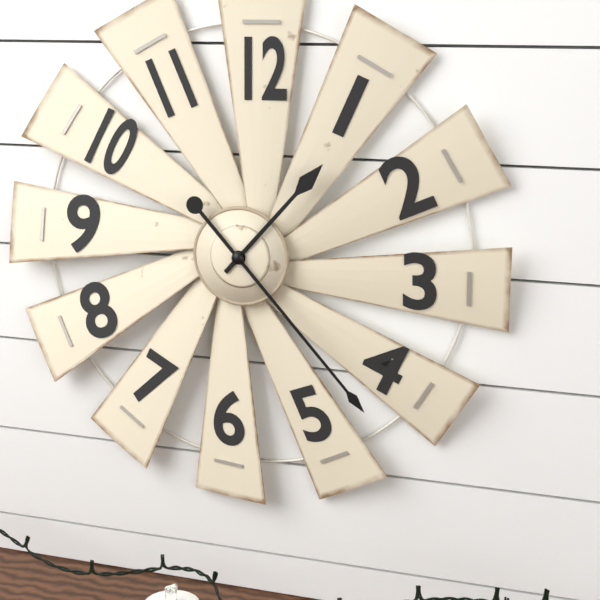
1:23
